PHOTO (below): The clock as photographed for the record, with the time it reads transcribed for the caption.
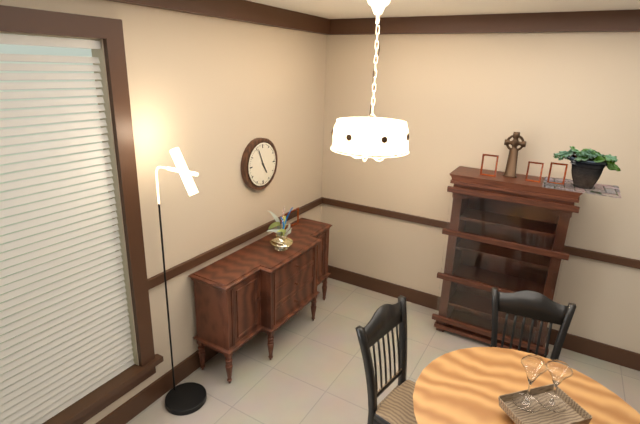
4:56
